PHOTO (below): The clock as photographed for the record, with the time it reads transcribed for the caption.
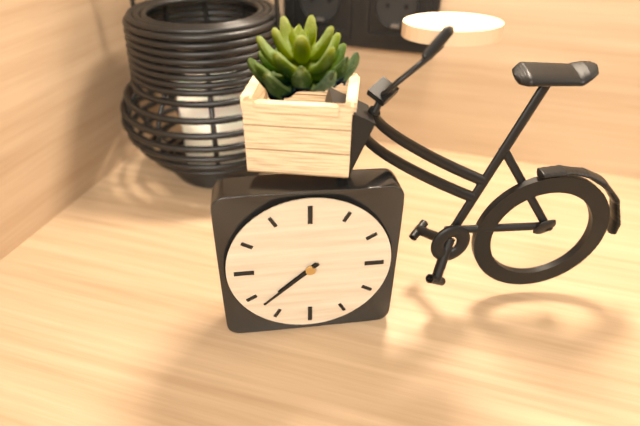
7:38
